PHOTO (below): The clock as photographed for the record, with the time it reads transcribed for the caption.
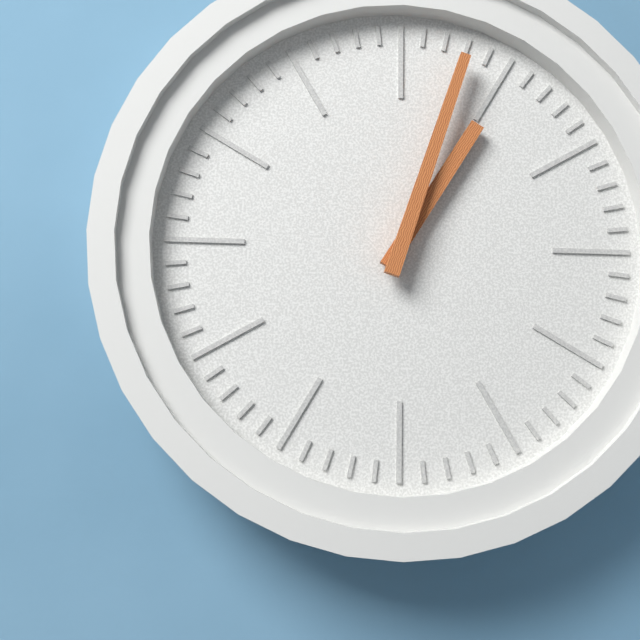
1:03
